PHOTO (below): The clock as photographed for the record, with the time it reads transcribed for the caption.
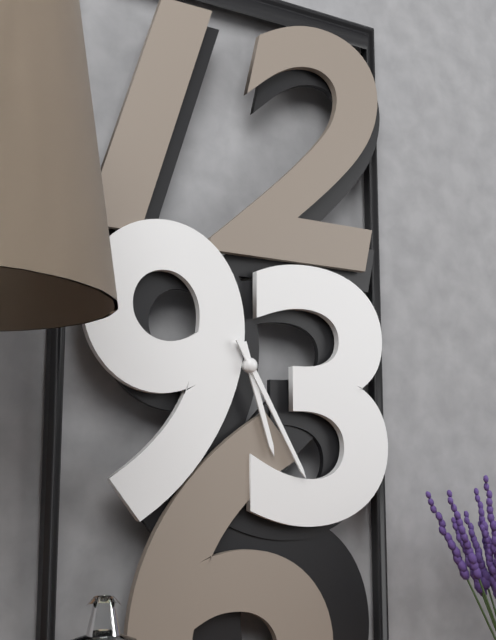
5:25
